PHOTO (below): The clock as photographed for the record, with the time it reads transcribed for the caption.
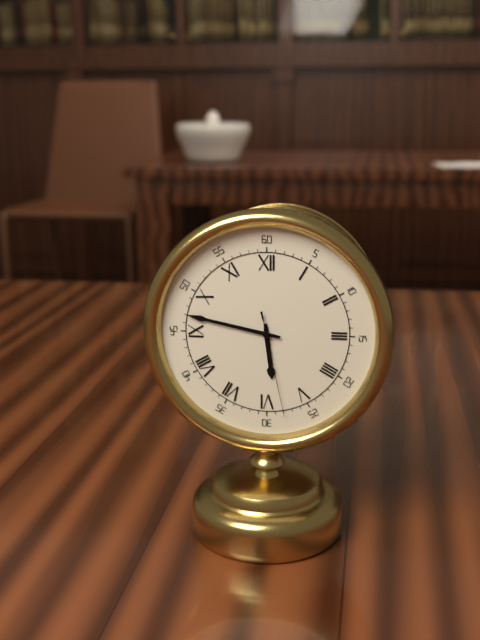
5:47:28
